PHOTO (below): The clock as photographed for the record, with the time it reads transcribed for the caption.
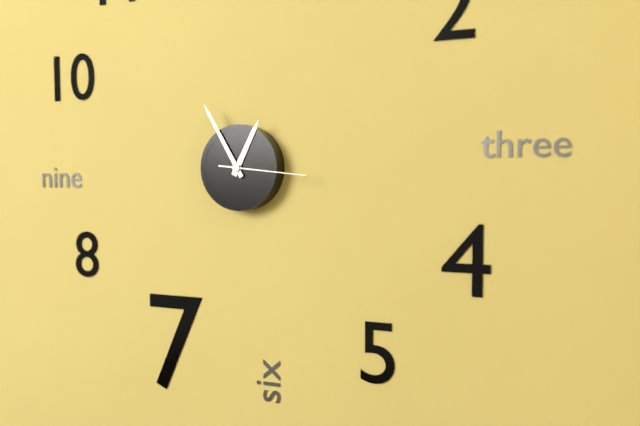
12:55:16
